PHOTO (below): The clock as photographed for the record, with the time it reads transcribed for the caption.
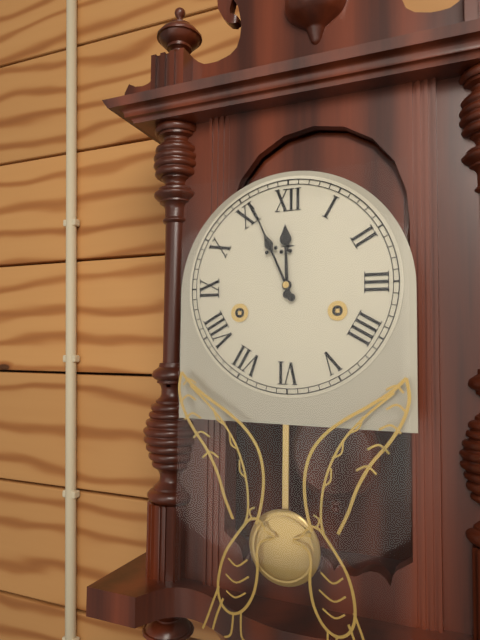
11:56
